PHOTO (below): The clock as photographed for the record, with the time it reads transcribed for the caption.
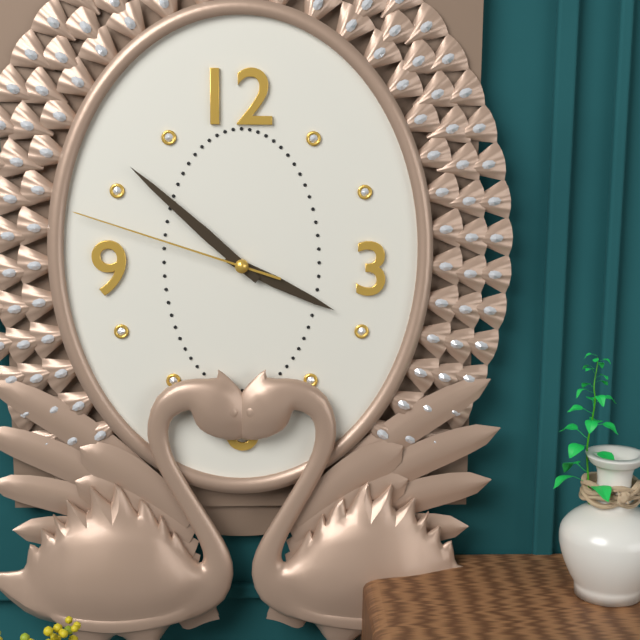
3:52:48
